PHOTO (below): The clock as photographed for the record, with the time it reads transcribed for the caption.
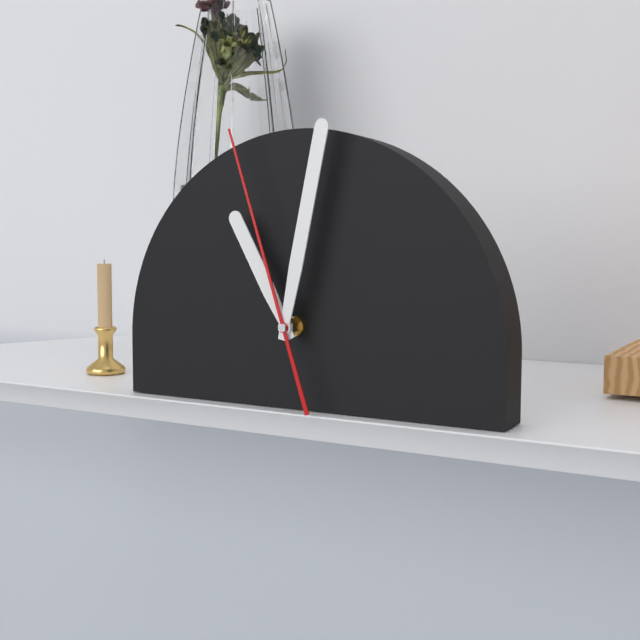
11:02:57
